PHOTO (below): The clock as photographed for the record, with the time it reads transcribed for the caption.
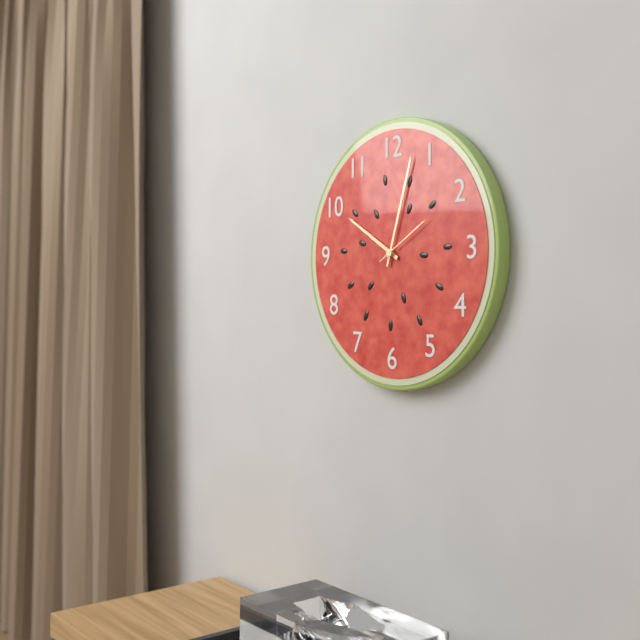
10:03:10
